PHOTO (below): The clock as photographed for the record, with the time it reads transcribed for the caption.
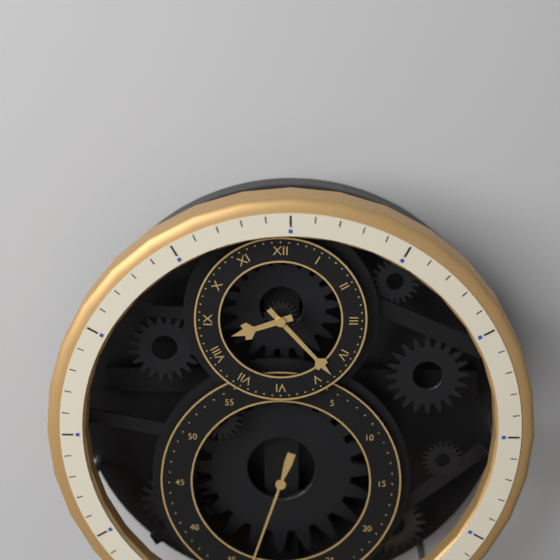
8:23
